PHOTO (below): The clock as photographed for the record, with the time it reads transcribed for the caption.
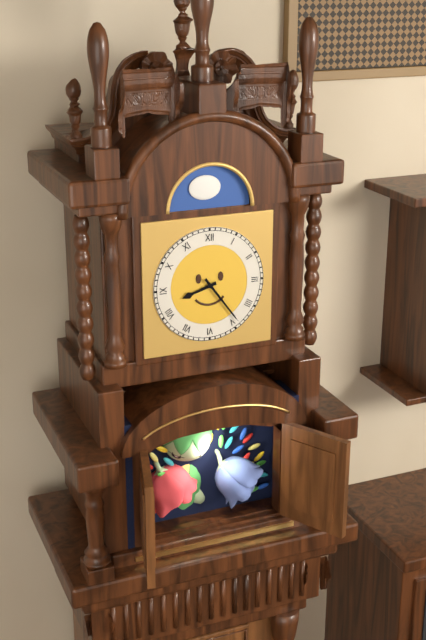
8:24
